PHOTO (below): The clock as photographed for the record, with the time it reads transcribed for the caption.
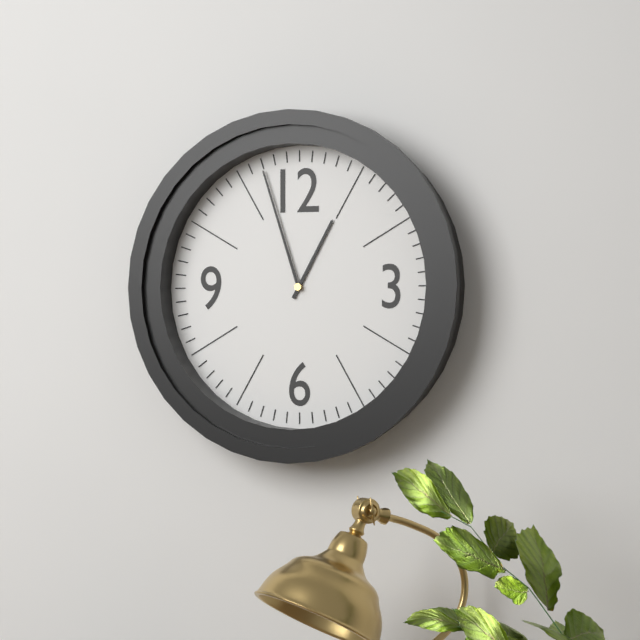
12:57
